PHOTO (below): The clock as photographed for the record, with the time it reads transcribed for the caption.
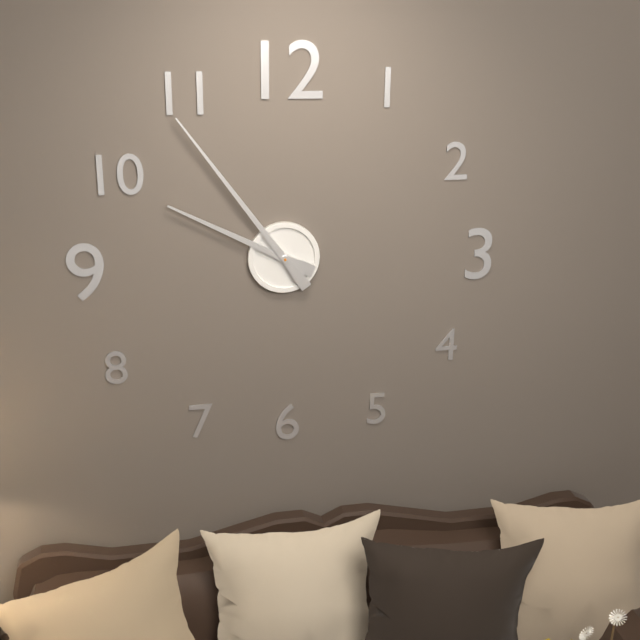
9:54
